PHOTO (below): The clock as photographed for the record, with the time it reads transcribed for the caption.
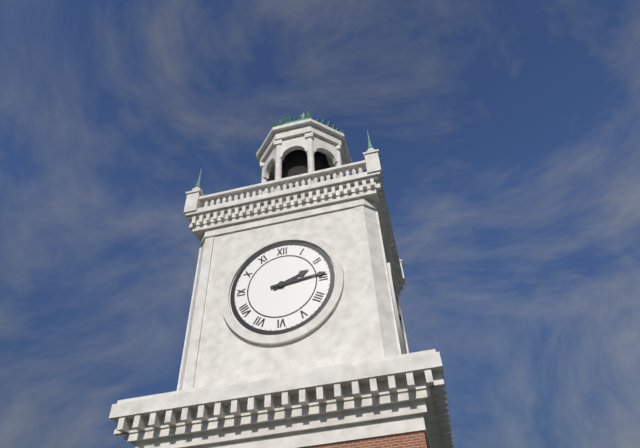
2:14
